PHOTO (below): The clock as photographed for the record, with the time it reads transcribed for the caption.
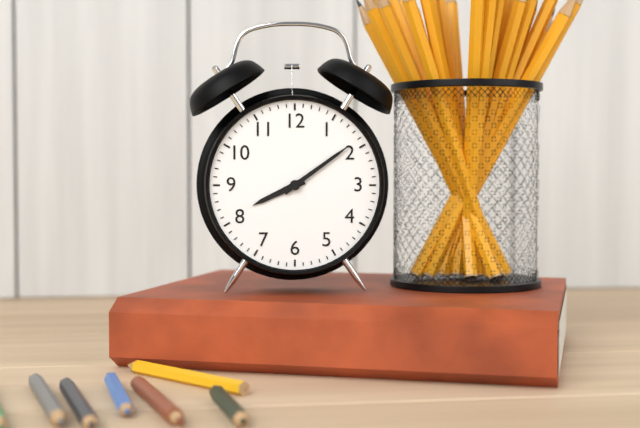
8:09
